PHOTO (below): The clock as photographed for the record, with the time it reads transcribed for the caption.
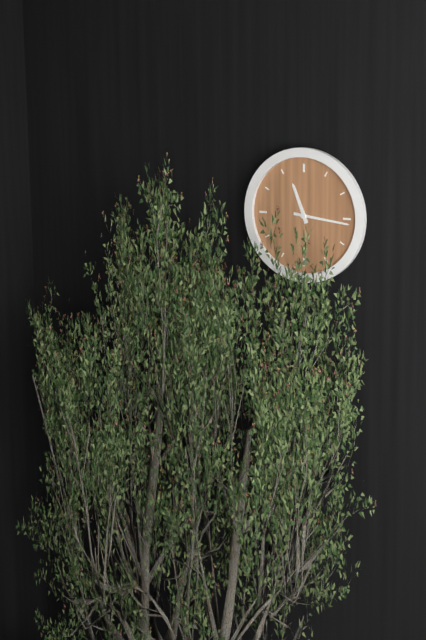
11:16
